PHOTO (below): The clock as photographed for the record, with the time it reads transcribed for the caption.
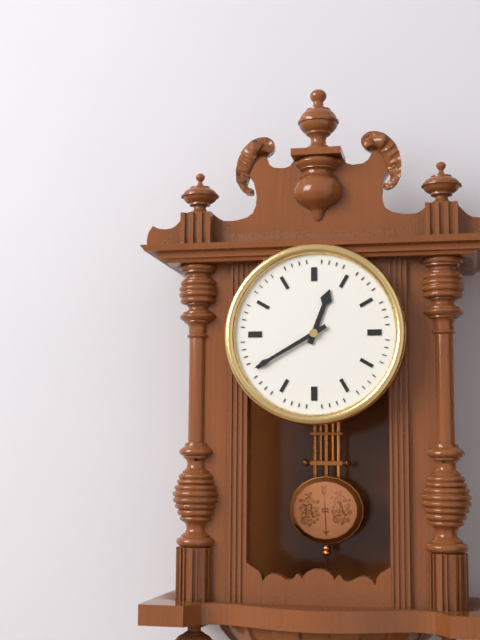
12:40
